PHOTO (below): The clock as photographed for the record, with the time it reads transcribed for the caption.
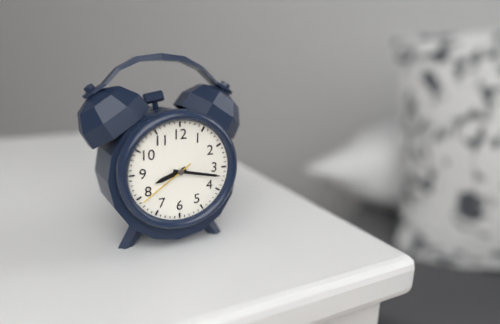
8:17:39
